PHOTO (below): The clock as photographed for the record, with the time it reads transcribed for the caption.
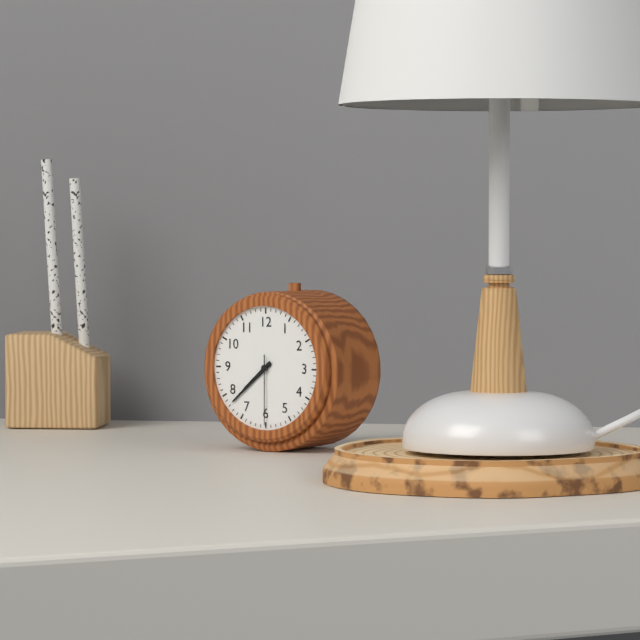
7:38:30
